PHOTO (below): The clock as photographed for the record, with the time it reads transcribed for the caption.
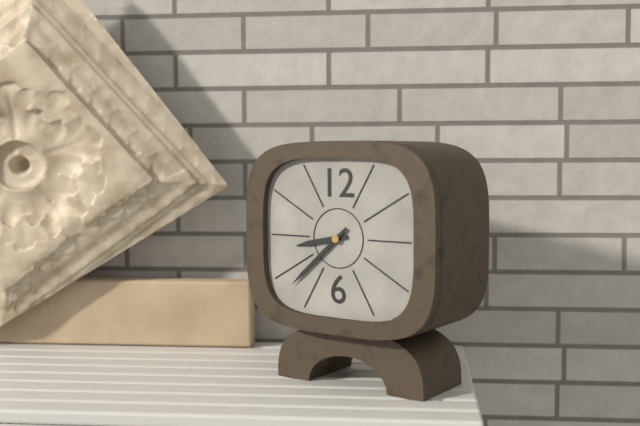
8:38
